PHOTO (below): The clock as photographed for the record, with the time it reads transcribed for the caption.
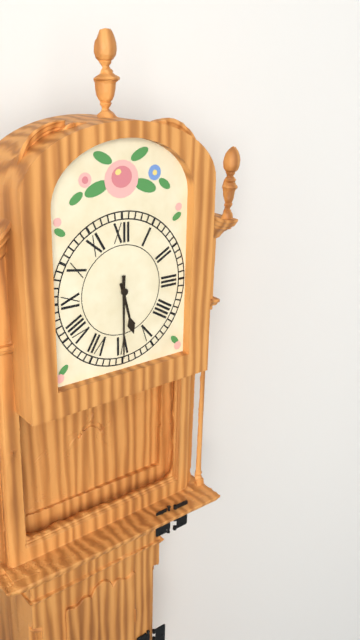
5:30
